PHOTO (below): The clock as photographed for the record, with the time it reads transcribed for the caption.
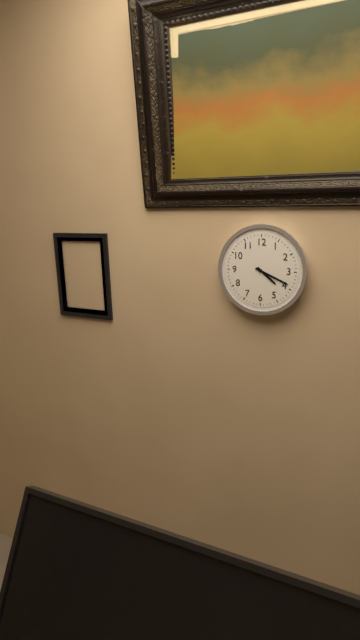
4:19
